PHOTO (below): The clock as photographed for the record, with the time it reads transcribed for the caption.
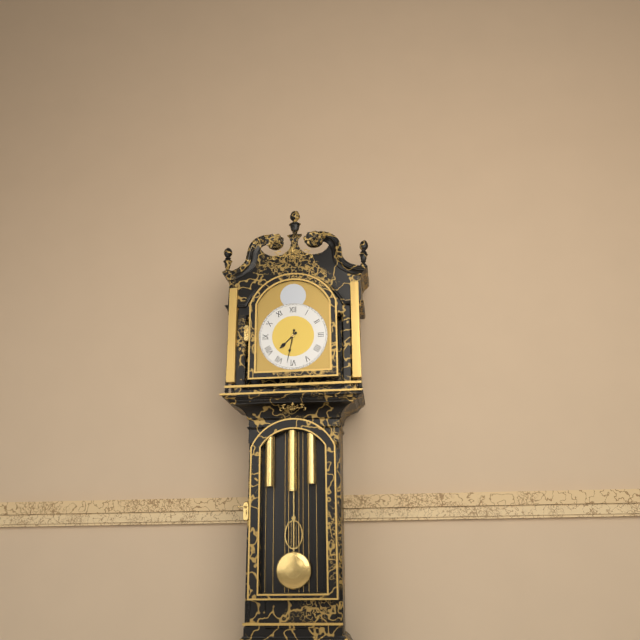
7:32
